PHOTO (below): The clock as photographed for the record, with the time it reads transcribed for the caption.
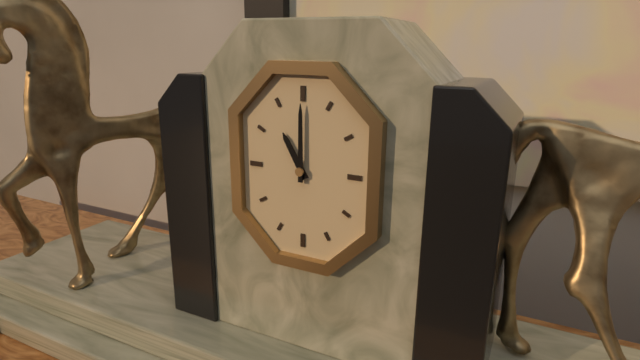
11:00
